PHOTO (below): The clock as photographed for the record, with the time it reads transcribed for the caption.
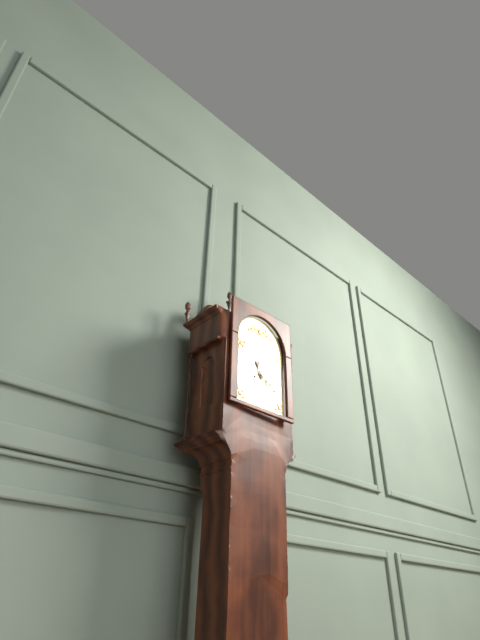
11:20
